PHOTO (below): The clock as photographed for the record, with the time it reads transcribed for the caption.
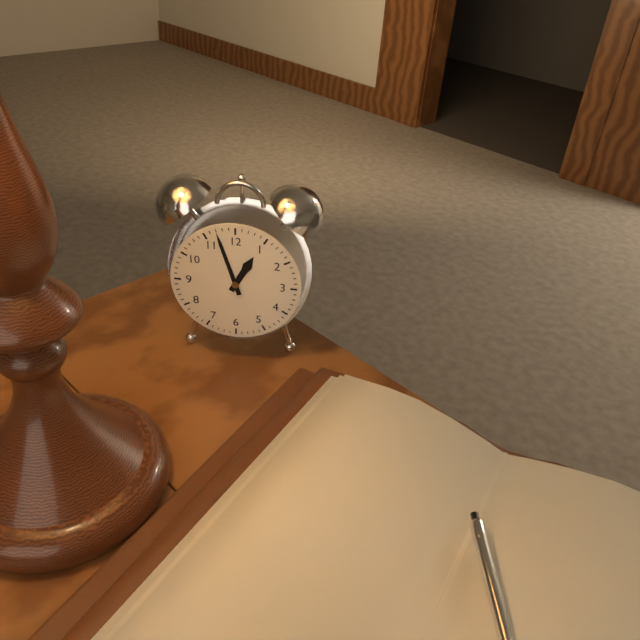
12:57
